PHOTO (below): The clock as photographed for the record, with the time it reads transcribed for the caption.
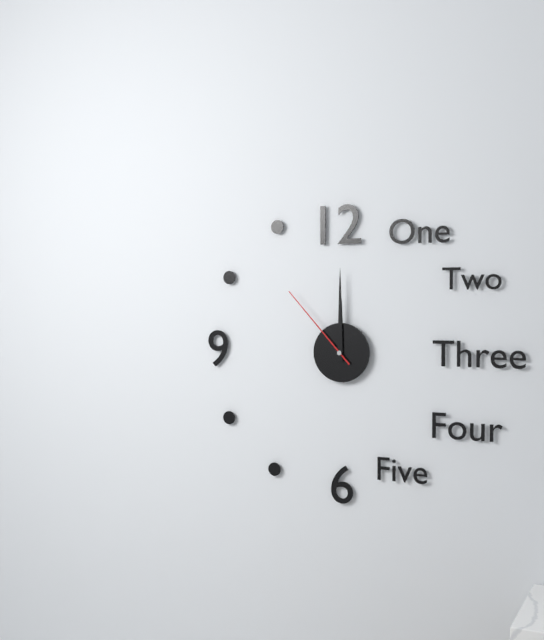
12:00:53
